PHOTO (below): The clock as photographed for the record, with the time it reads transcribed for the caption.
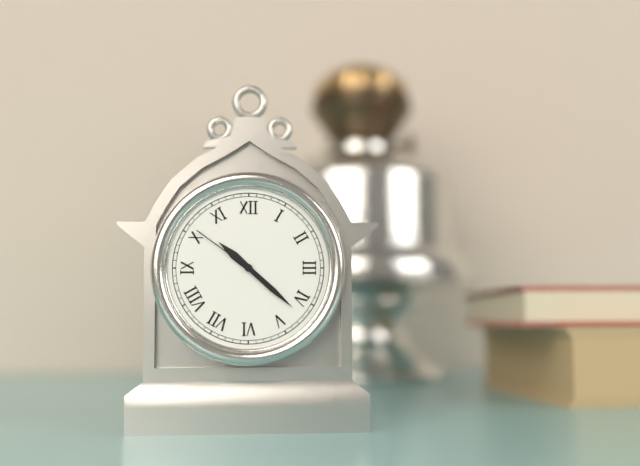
10:22:51
